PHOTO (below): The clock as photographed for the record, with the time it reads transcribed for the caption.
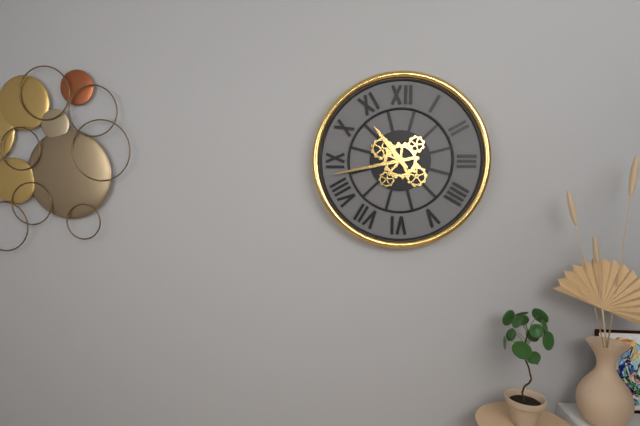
10:43
